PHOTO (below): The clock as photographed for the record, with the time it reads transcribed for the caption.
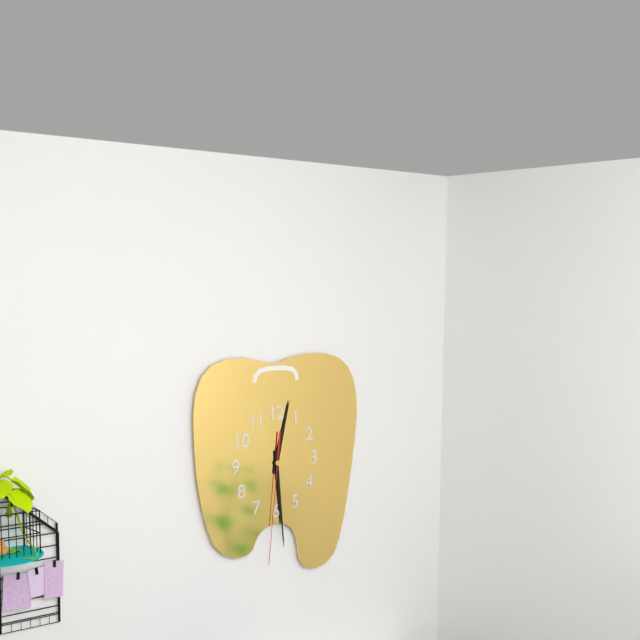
12:29:31
